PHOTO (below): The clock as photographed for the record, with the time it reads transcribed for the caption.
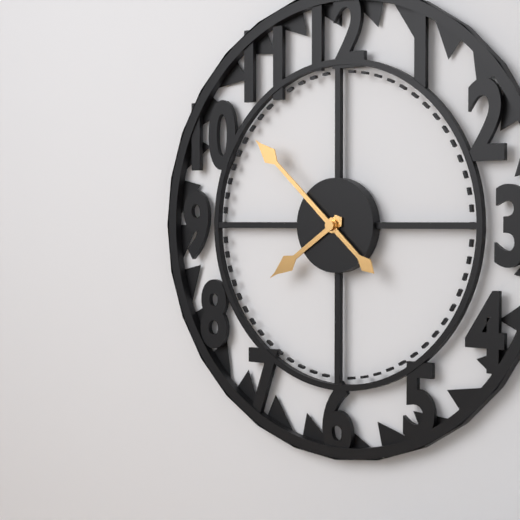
7:52
